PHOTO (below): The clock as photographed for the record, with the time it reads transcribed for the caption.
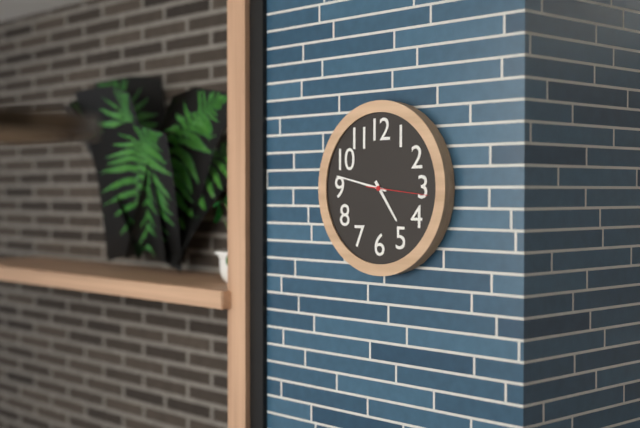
4:47:16
